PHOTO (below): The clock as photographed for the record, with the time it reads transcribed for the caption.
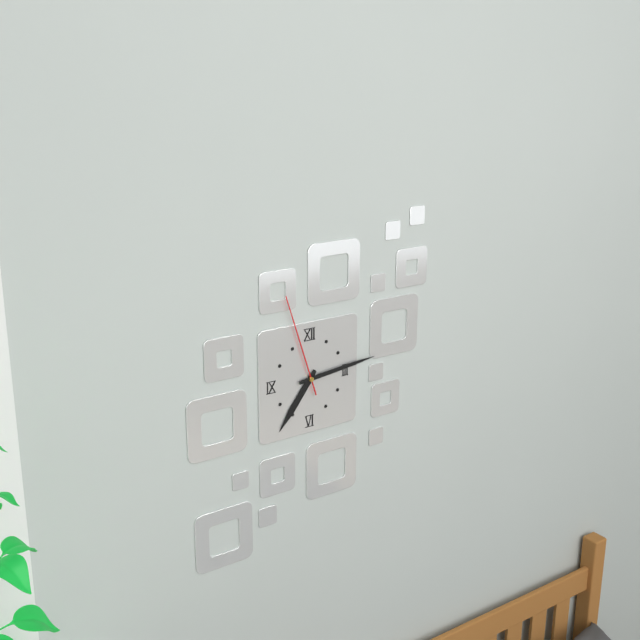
7:14:57
